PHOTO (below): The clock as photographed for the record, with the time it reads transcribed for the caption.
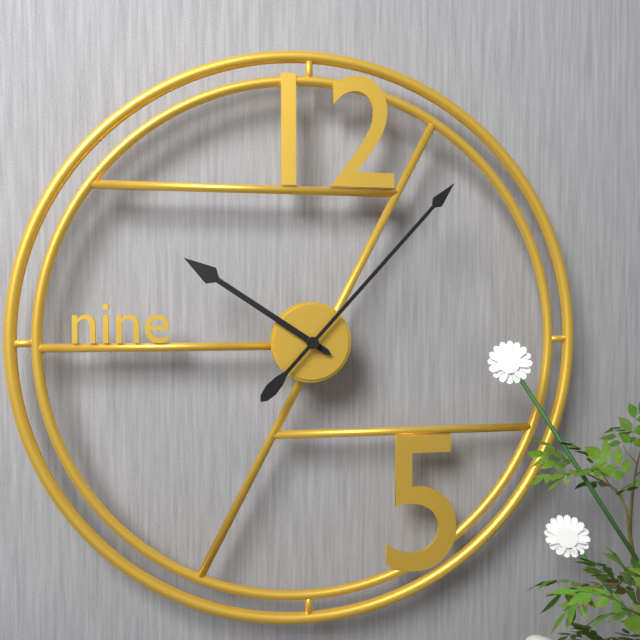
10:07
